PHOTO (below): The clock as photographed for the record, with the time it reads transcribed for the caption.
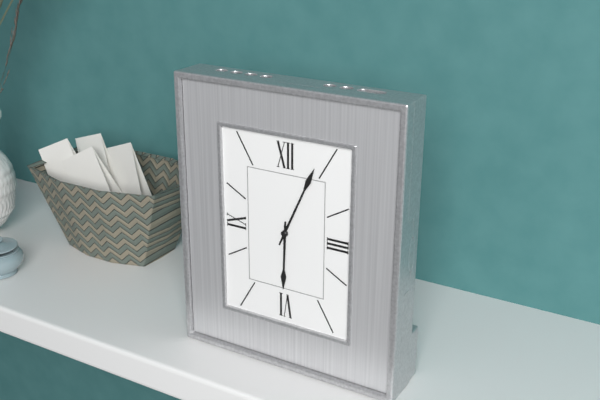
6:04
